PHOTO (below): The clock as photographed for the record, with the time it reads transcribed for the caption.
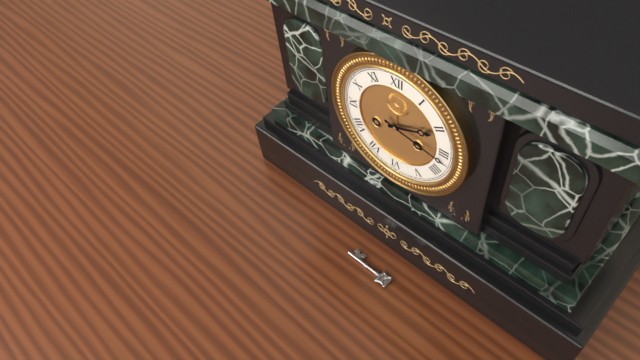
2:17
